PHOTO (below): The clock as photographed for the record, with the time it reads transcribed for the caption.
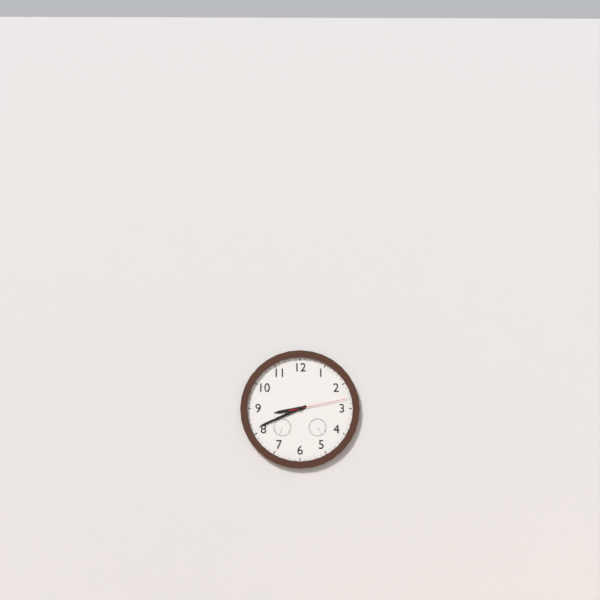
8:41:13
